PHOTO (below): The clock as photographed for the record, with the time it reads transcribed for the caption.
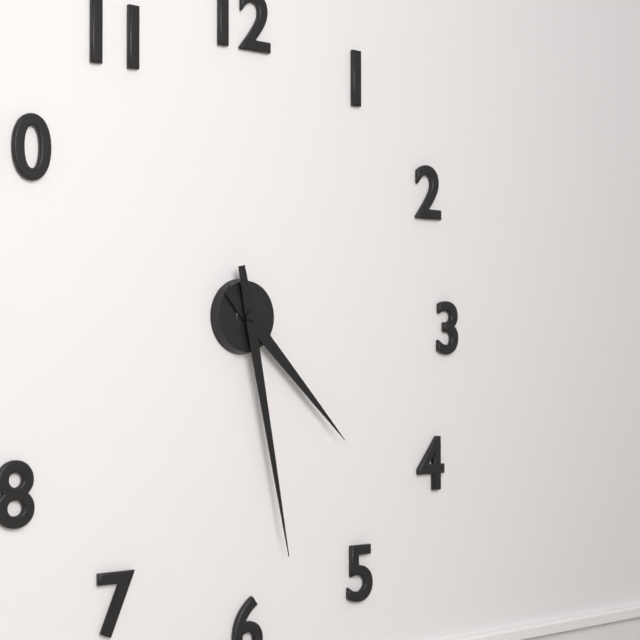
4:28
